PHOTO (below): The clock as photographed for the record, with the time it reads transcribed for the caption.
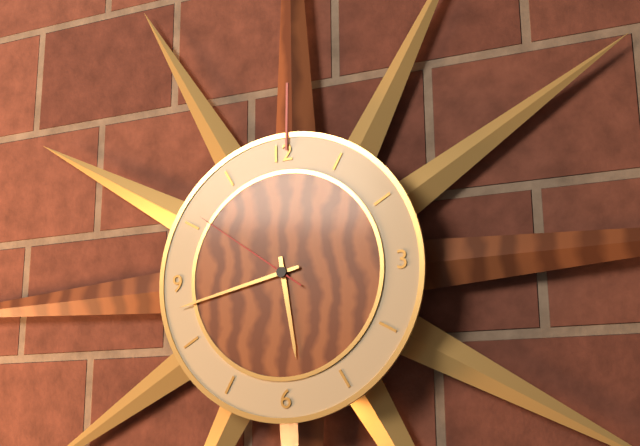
5:43:51
